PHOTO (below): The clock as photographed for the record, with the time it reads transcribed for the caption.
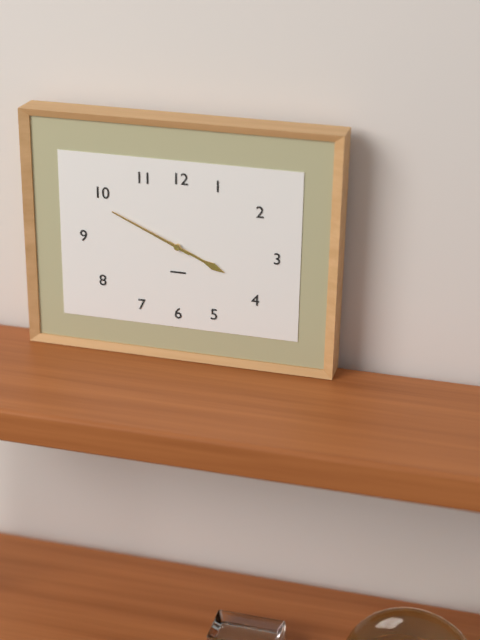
3:49
